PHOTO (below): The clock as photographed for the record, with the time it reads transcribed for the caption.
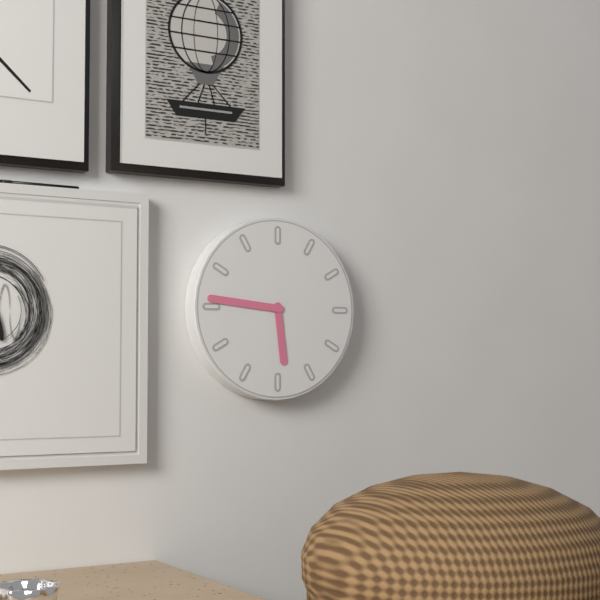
5:46
